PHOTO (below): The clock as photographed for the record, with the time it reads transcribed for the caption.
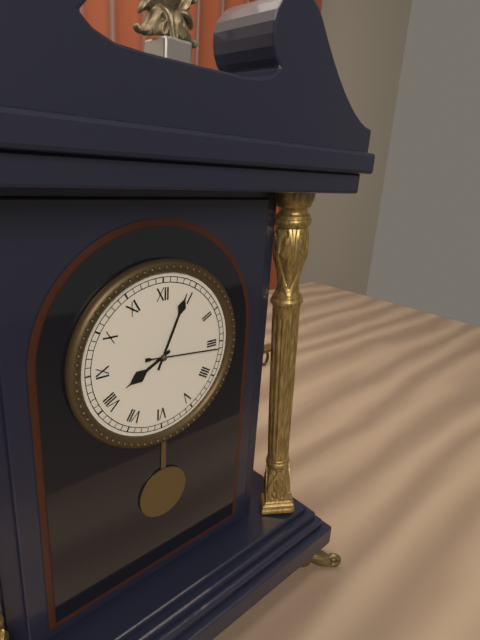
8:04:16
